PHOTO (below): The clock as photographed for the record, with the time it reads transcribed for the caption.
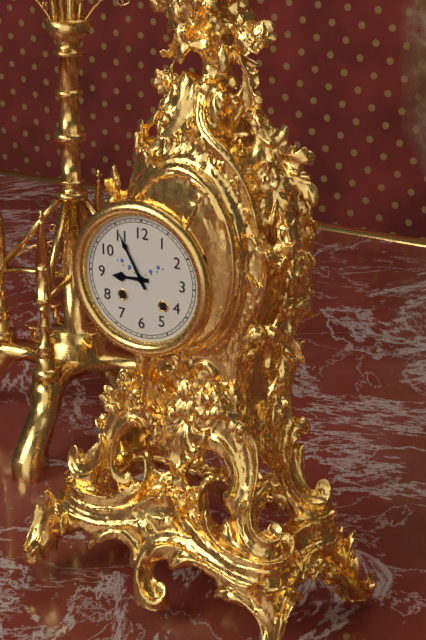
8:55
